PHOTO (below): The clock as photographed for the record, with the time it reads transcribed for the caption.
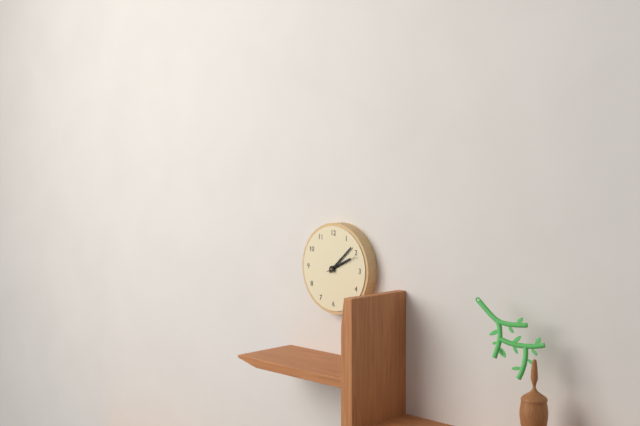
2:08
